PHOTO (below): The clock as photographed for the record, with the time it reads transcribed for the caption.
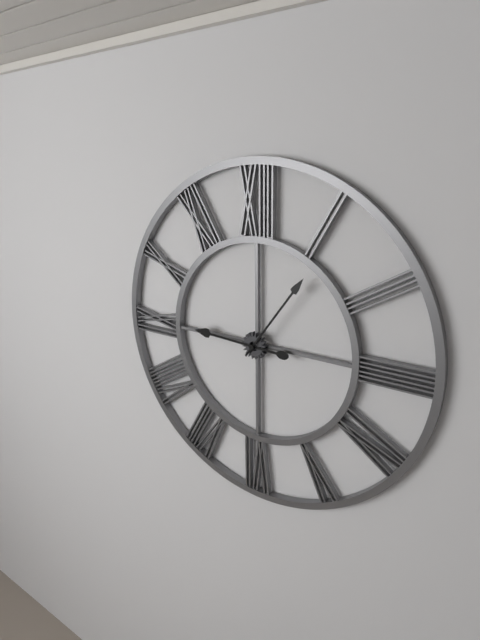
9:06
